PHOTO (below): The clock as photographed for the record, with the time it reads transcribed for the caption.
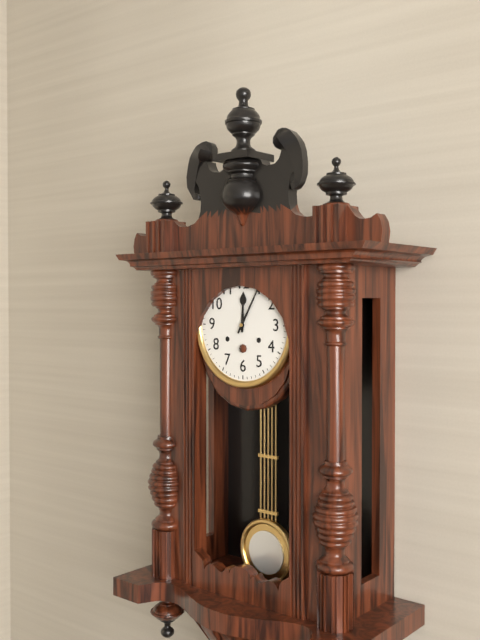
12:05
